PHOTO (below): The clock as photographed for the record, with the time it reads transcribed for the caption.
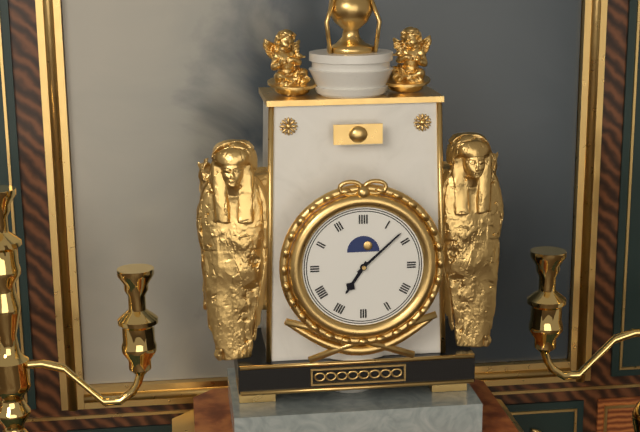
7:08
